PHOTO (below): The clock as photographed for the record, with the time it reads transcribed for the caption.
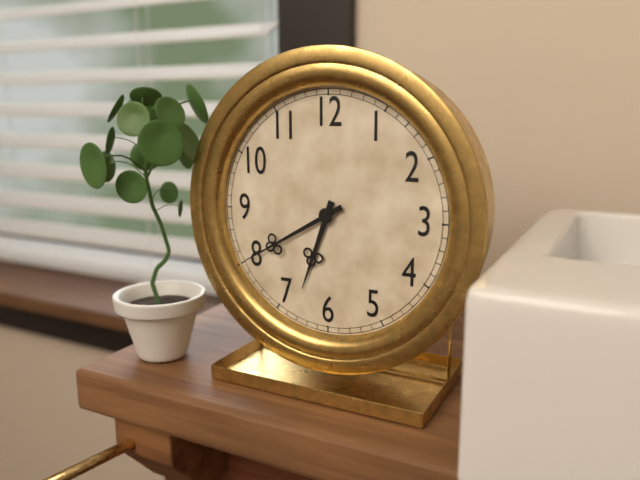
6:40
